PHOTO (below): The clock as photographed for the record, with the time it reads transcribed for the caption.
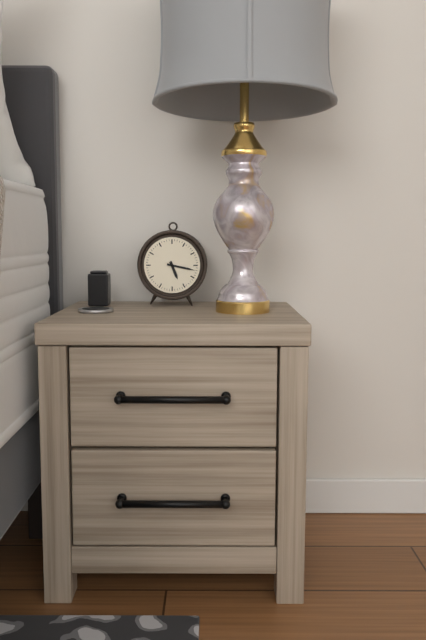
5:17
